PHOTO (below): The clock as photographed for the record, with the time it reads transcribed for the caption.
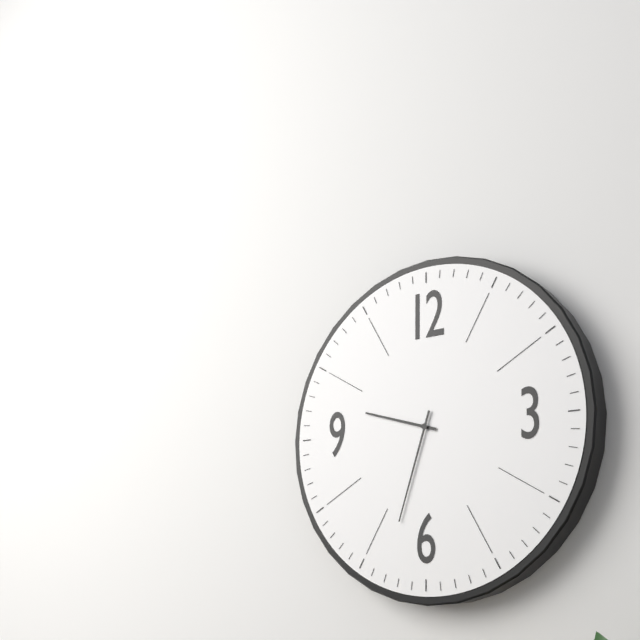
9:33
